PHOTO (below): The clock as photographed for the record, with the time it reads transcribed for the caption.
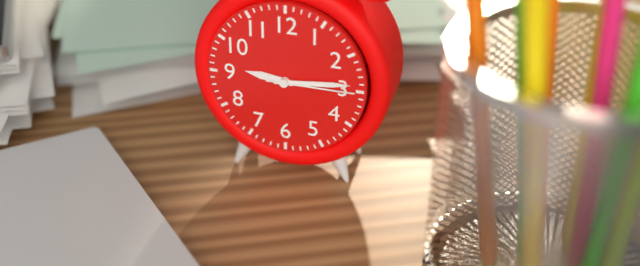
9:14:15
